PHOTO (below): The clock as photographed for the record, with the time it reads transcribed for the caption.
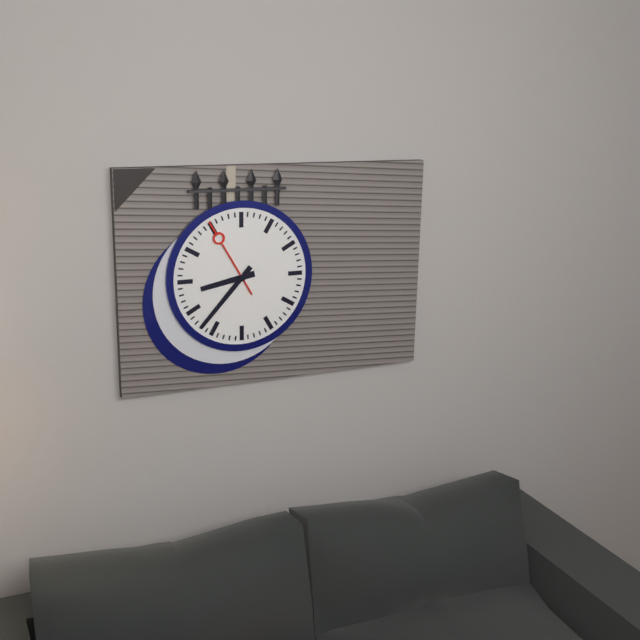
8:37:55
